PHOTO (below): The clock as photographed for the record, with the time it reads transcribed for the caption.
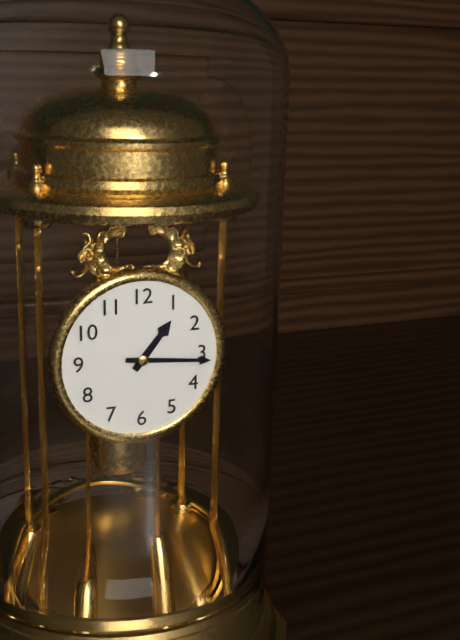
1:16
